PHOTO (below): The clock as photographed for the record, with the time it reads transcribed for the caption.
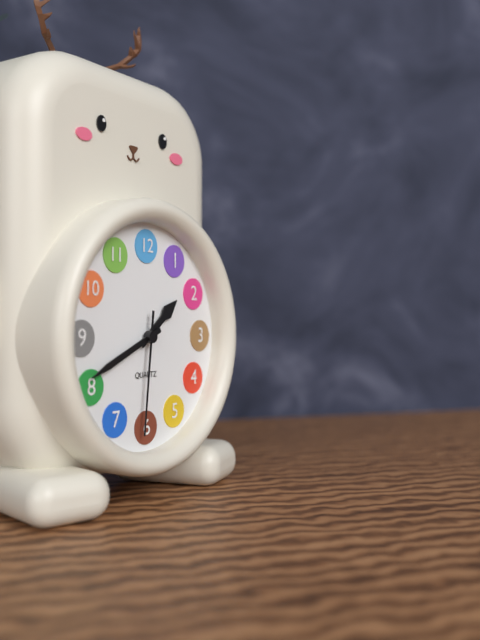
1:41:31
